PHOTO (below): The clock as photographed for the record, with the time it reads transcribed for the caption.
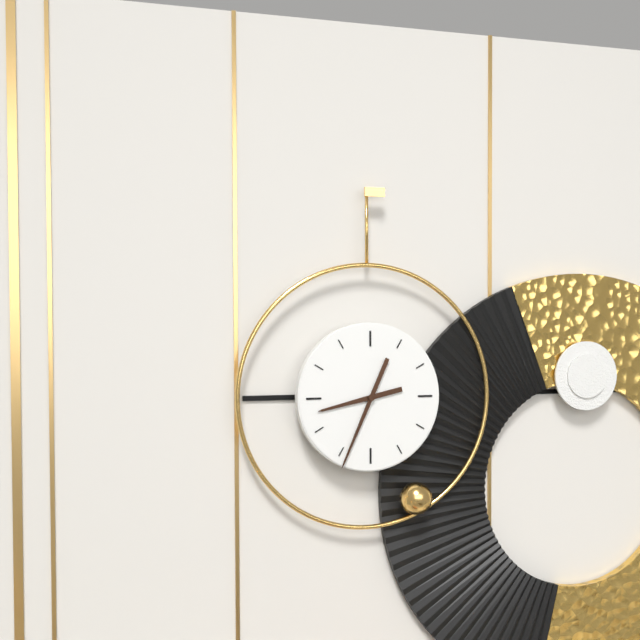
8:34
